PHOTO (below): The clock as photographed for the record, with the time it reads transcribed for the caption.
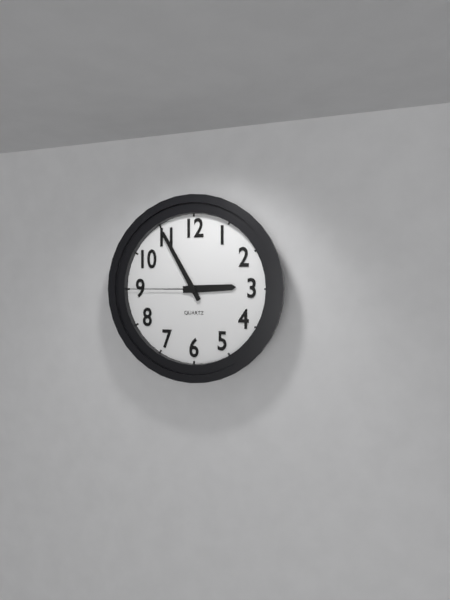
2:55:45
